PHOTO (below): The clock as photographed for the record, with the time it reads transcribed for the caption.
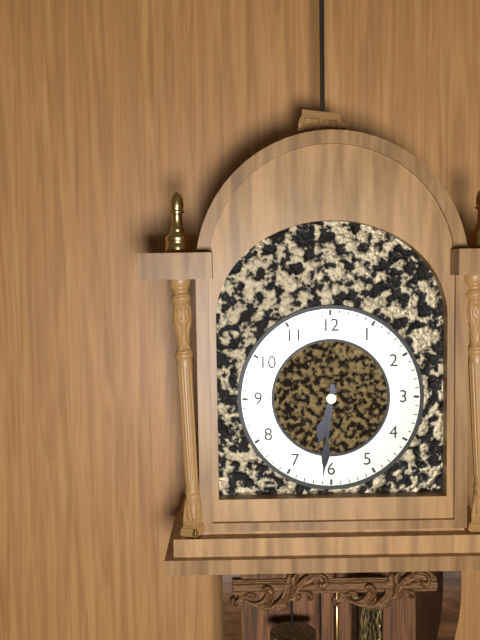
6:31
